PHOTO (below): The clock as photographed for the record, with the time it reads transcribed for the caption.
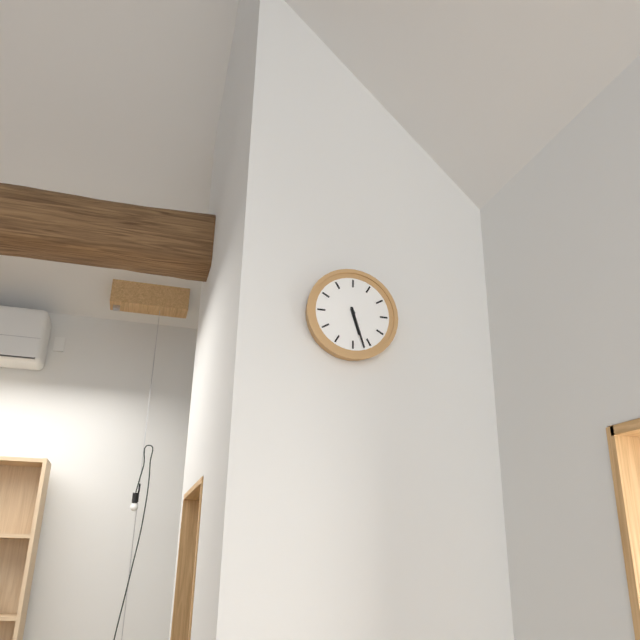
5:27
